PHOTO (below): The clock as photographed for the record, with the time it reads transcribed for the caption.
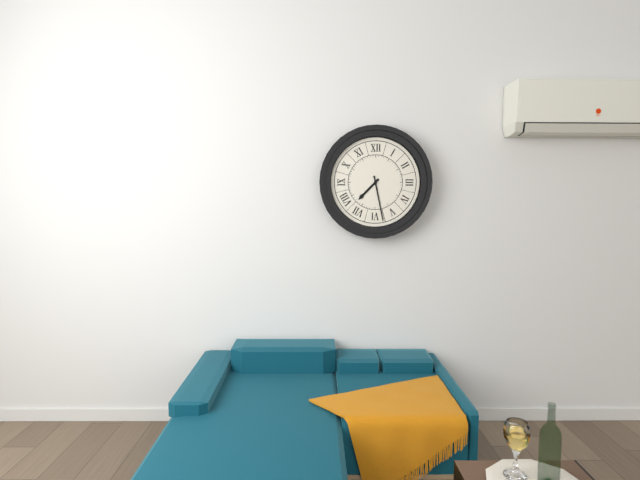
7:28
